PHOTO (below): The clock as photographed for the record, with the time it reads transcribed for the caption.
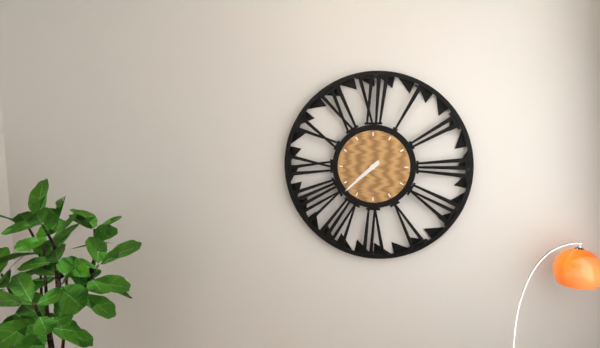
7:38
